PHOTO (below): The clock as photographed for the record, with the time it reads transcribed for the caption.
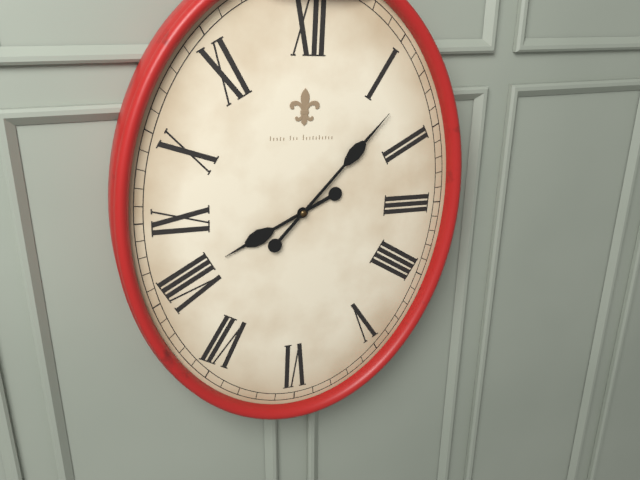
8:07
